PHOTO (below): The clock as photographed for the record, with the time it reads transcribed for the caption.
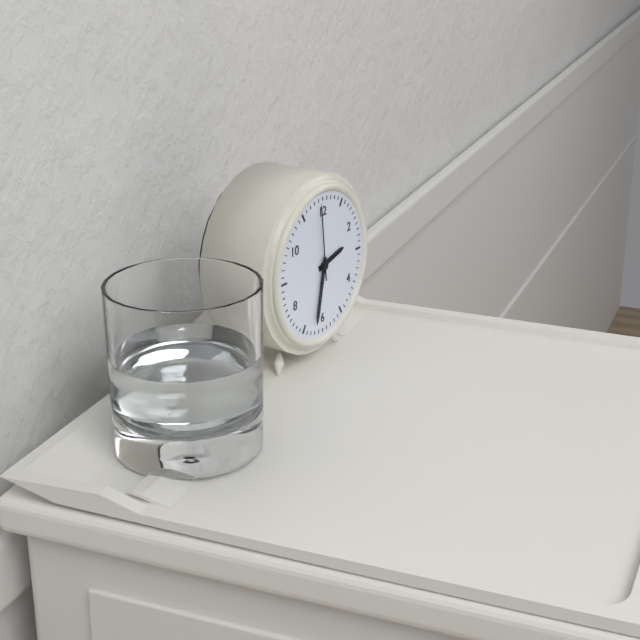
2:32:59
